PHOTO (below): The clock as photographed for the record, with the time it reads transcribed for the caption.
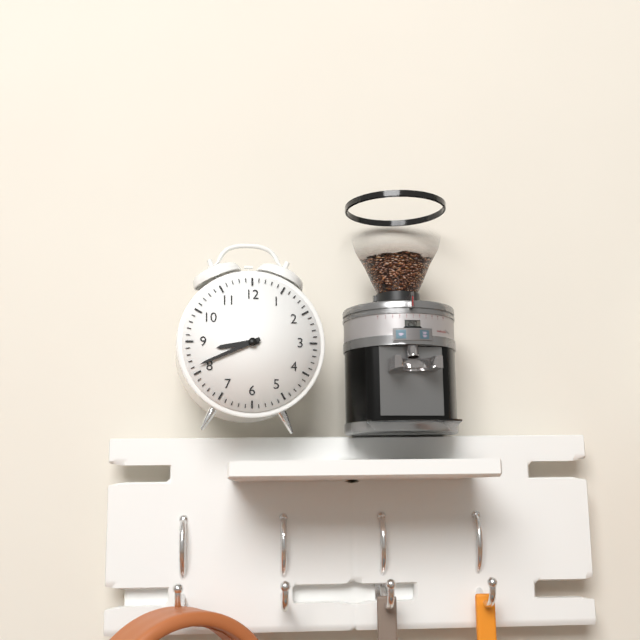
8:41
